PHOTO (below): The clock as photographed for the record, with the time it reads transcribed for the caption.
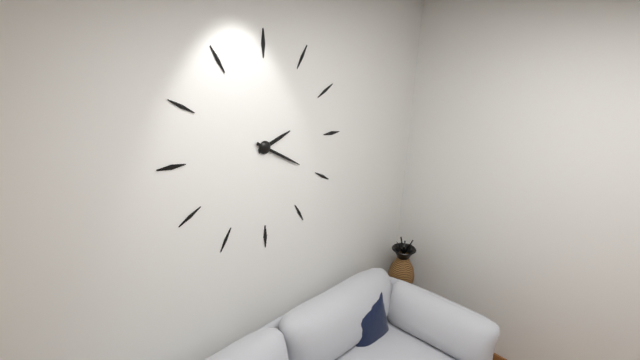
2:20
